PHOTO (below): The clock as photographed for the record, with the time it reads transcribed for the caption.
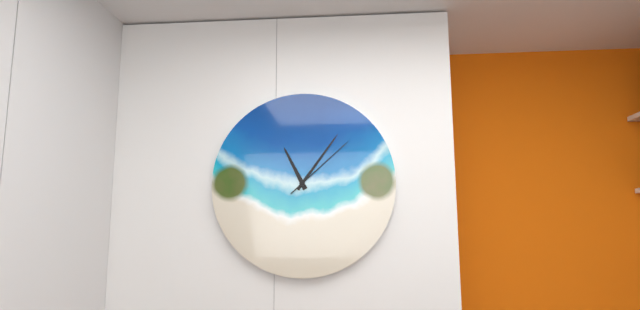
11:06:08
